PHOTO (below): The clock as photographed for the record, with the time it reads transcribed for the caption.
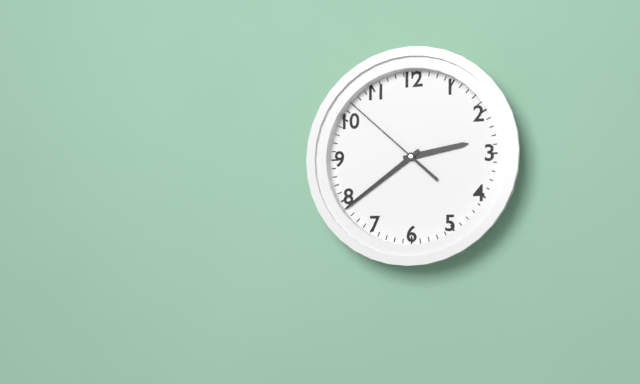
2:39:52
